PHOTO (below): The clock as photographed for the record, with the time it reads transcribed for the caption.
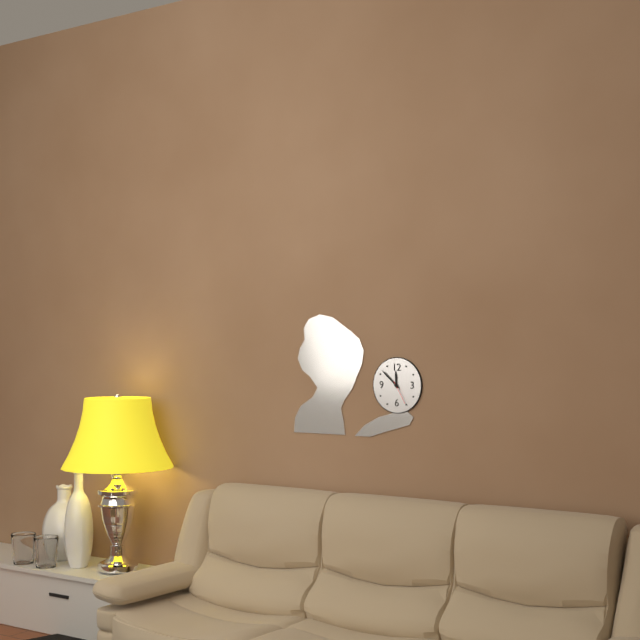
11:52
